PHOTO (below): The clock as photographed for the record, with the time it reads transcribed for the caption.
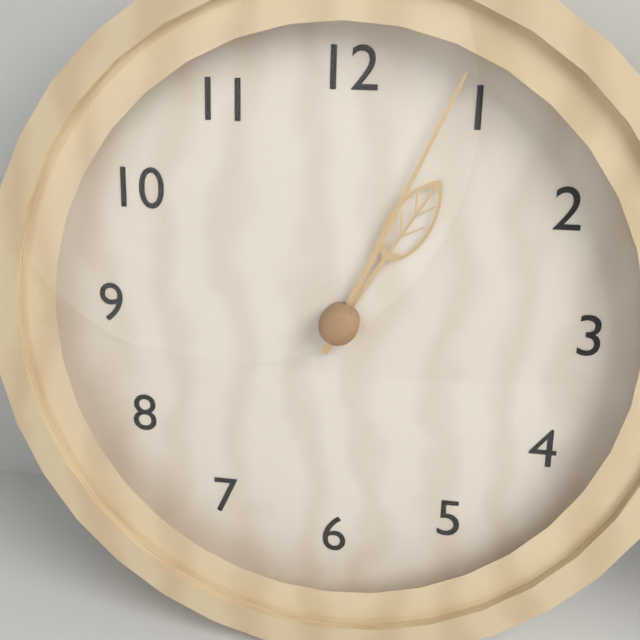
1:04
